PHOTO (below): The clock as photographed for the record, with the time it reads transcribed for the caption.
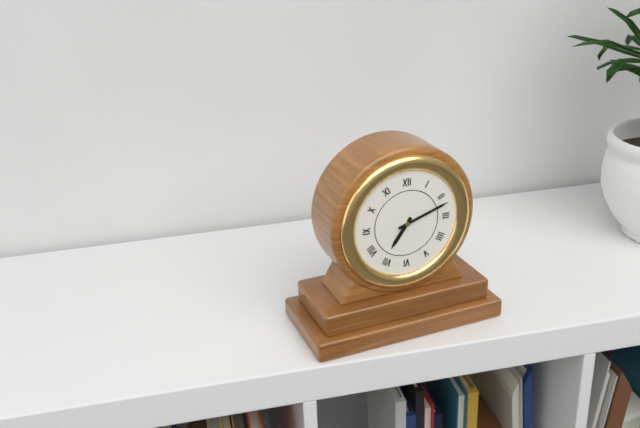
7:12
